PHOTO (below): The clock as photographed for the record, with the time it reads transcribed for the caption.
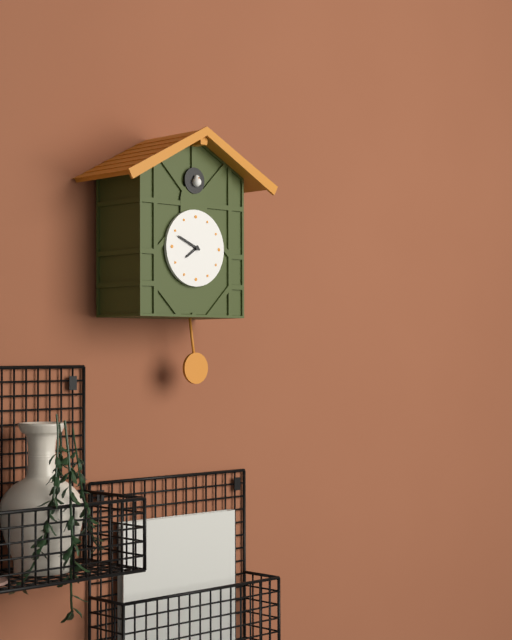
7:49
